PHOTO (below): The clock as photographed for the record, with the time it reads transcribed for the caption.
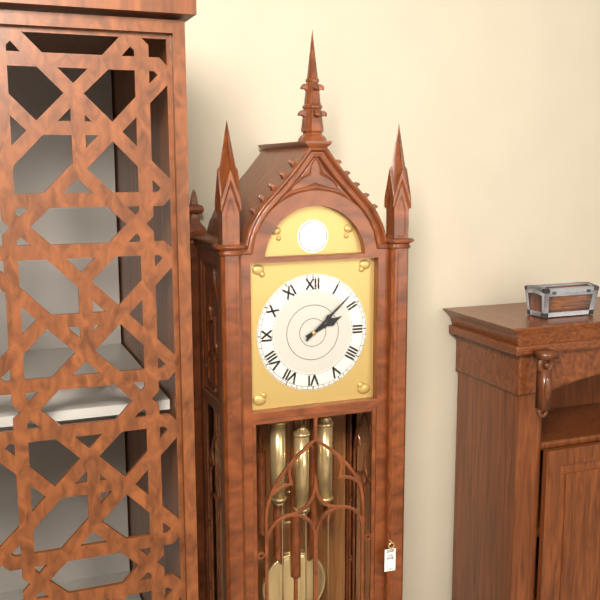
2:08
